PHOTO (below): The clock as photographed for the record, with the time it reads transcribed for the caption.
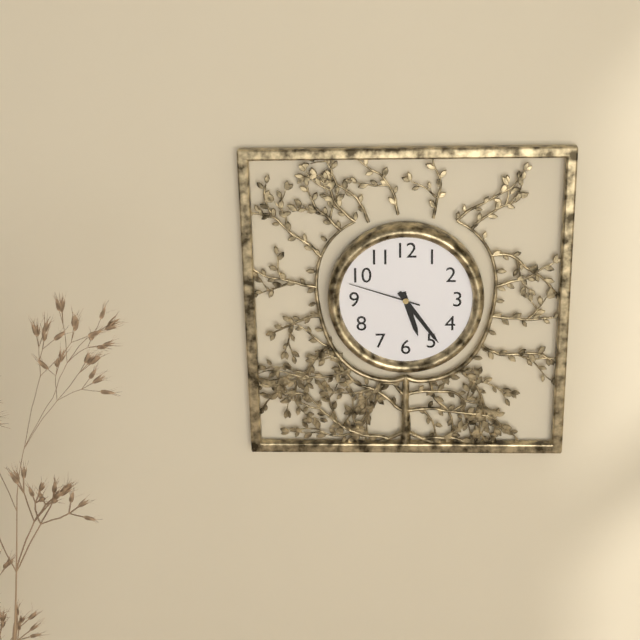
5:24:48
